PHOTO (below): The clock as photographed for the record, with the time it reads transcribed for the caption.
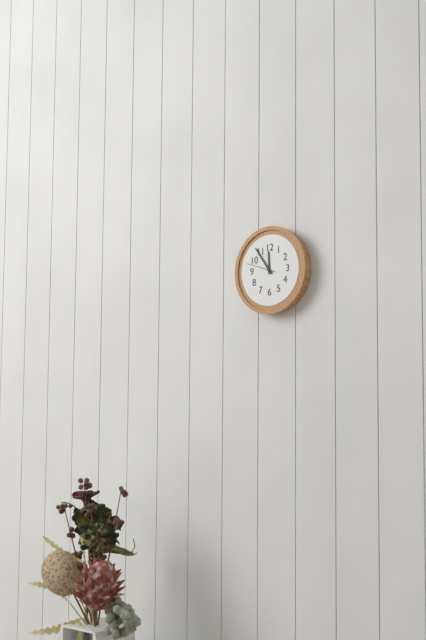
11:54
